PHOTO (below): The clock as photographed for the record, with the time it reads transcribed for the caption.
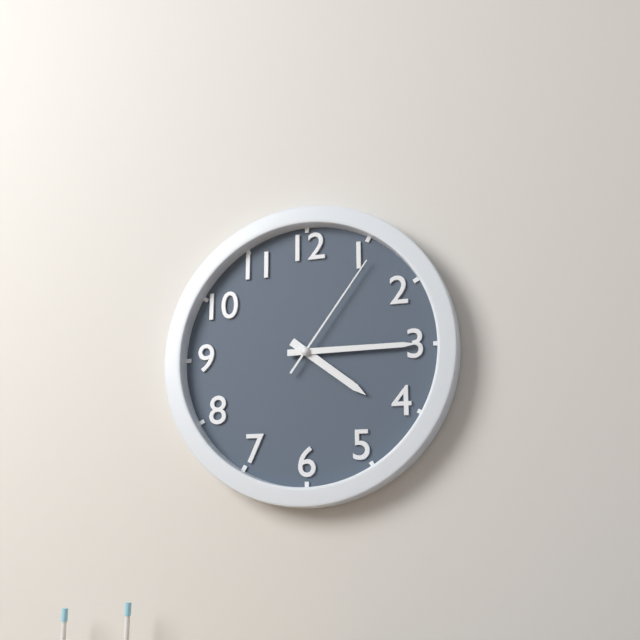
4:15:06
